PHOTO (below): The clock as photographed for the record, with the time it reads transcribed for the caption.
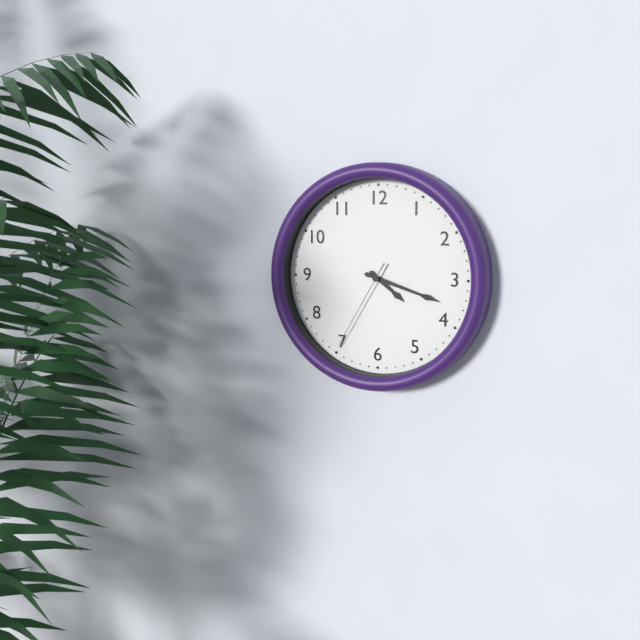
4:18:35
